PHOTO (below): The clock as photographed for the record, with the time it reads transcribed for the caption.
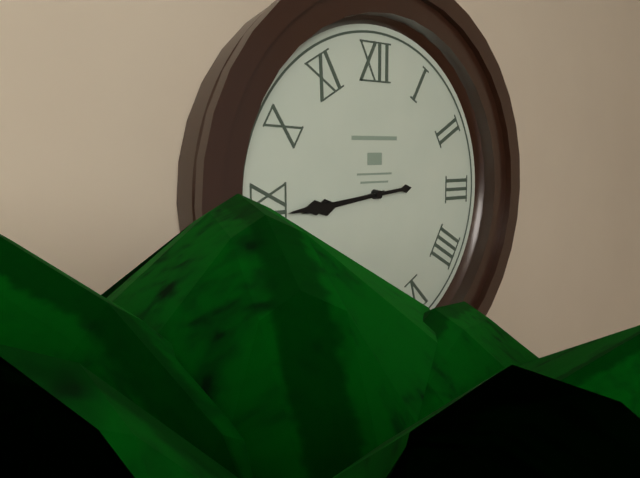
8:44
